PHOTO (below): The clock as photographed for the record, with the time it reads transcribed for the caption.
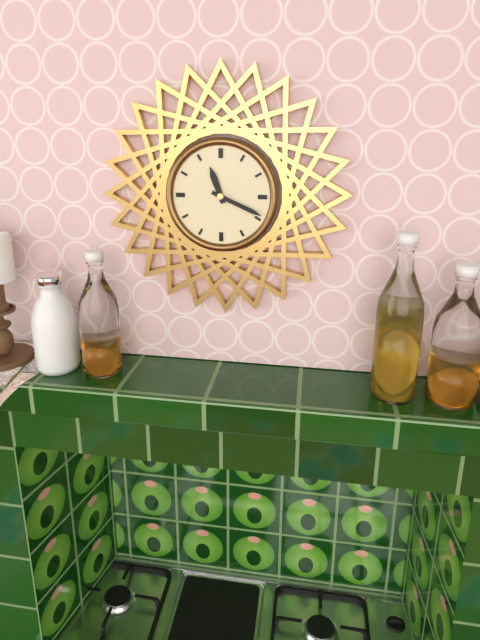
11:19
